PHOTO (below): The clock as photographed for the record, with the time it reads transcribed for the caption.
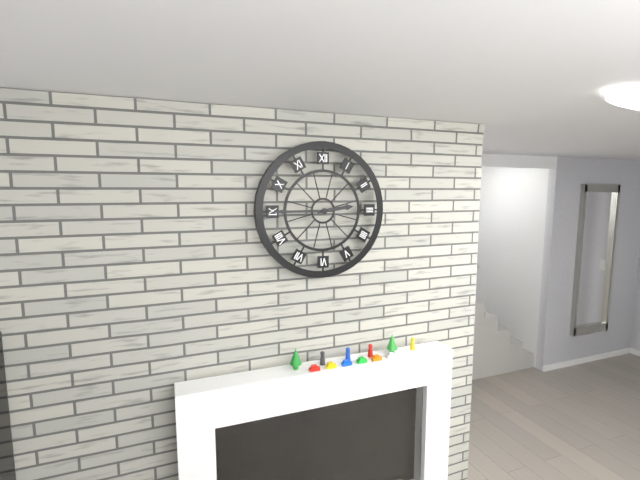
2:45
